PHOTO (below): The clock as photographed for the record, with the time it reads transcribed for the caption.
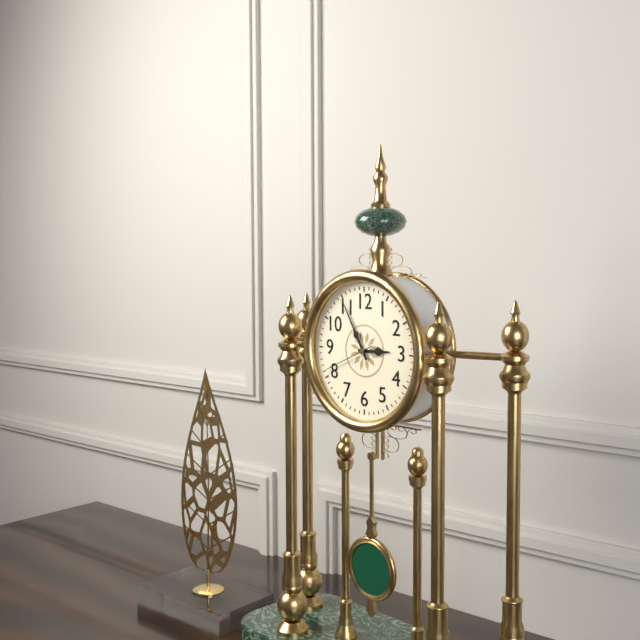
2:55
